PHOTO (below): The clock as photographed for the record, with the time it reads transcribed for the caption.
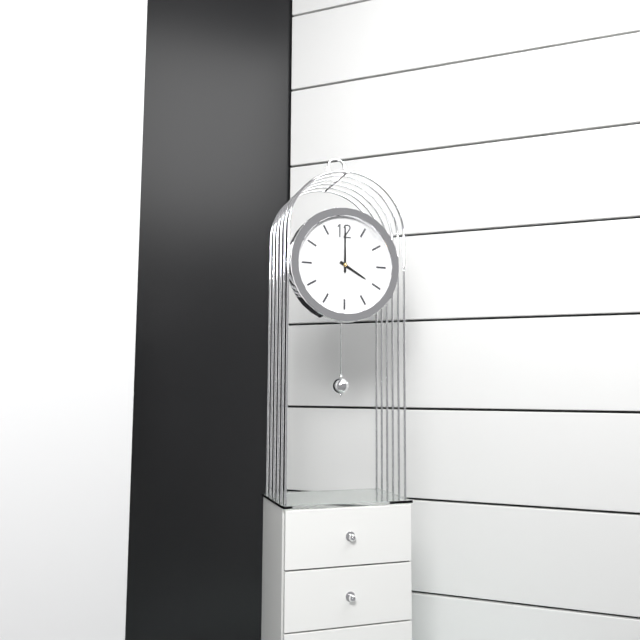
4:00
